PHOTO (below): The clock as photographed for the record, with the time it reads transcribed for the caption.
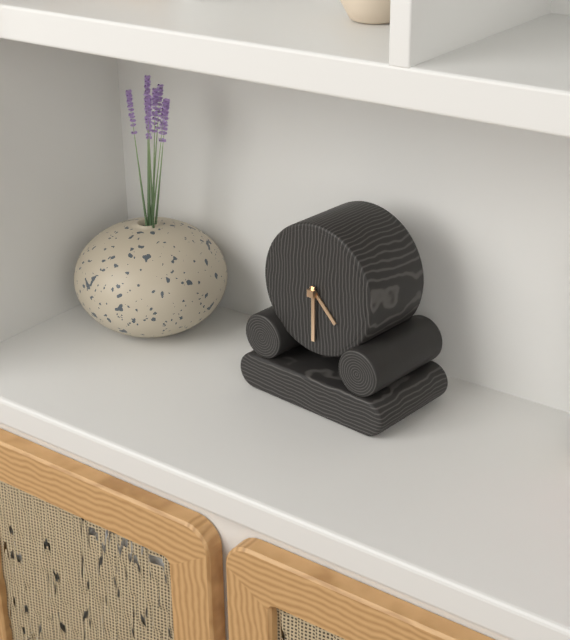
4:30
